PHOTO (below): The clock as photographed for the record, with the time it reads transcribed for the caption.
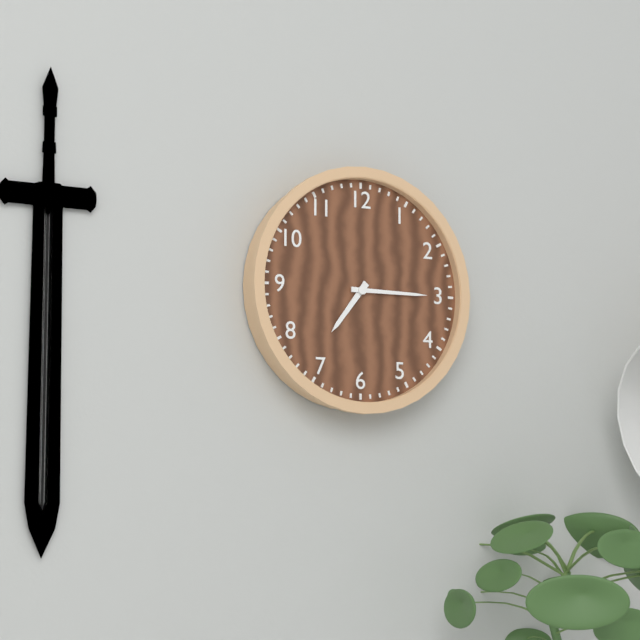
7:15
